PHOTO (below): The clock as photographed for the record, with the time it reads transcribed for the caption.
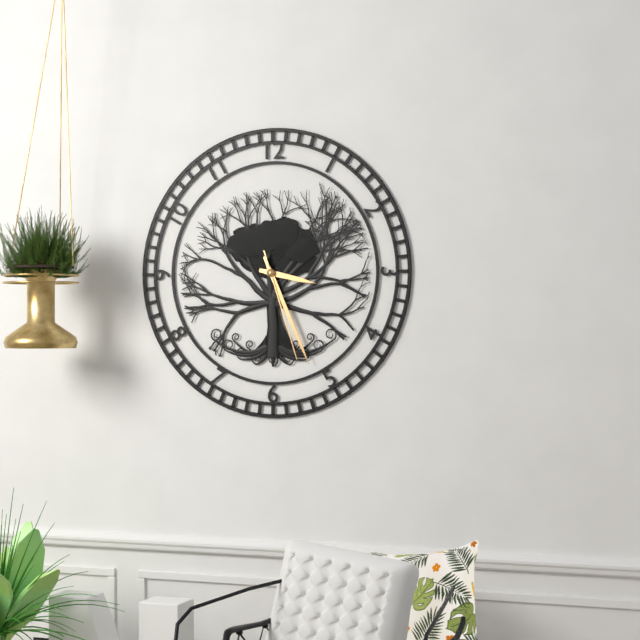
3:26:27
